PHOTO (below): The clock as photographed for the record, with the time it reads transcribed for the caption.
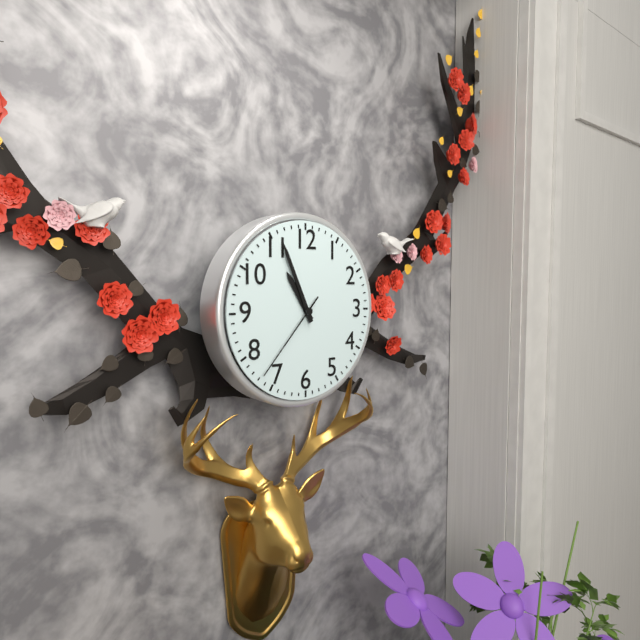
10:56:37
